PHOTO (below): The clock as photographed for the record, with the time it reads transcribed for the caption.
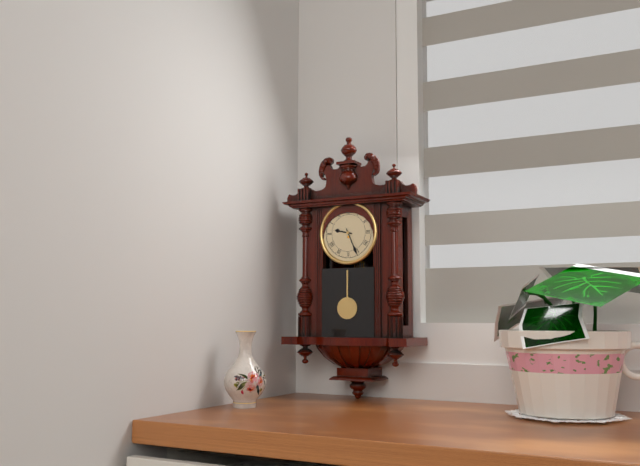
9:26
